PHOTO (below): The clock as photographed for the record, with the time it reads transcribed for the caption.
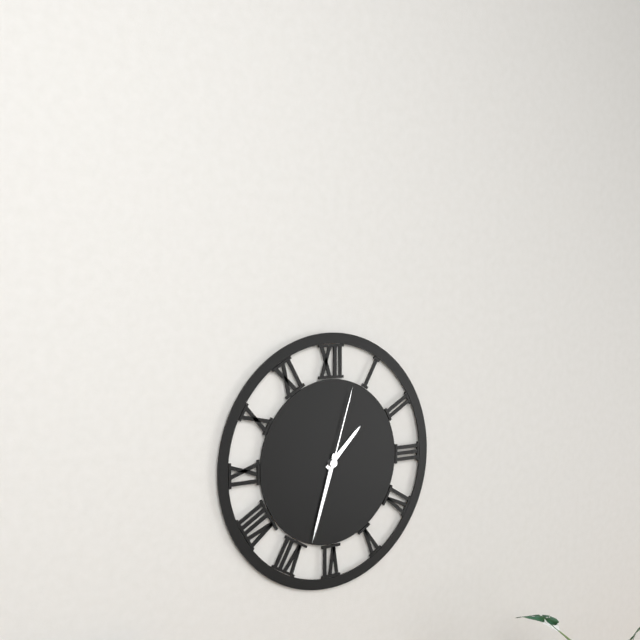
1:33:03
